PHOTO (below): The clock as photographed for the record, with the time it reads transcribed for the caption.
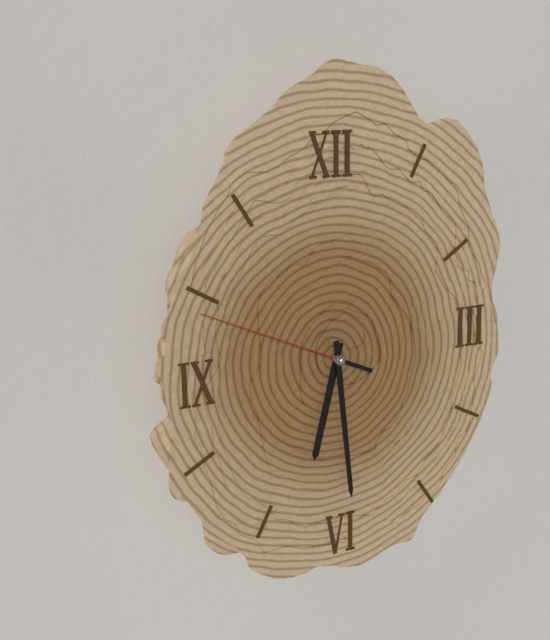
6:29:49
